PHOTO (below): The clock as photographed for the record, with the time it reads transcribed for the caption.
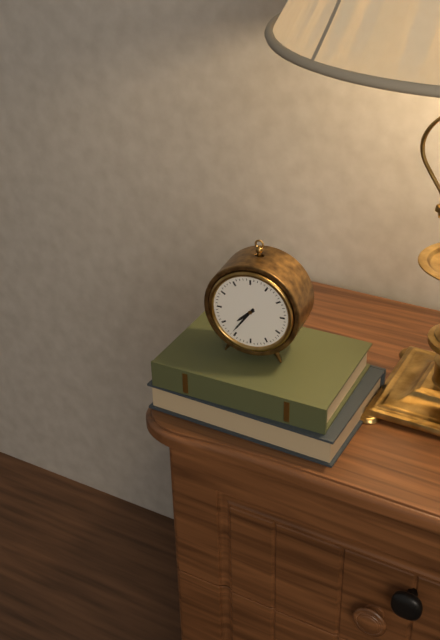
7:36
